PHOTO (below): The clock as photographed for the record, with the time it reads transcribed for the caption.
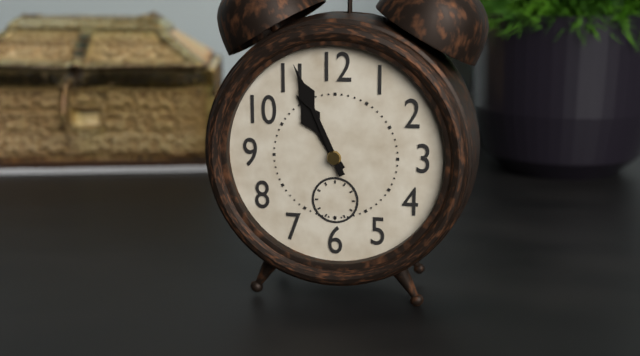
10:56
